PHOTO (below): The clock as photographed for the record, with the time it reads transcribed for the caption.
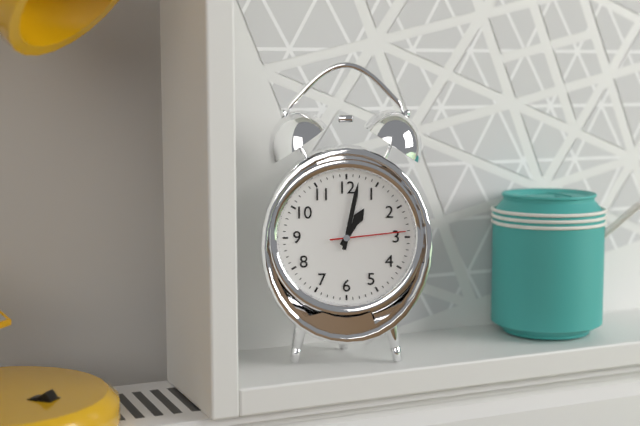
1:02:14
